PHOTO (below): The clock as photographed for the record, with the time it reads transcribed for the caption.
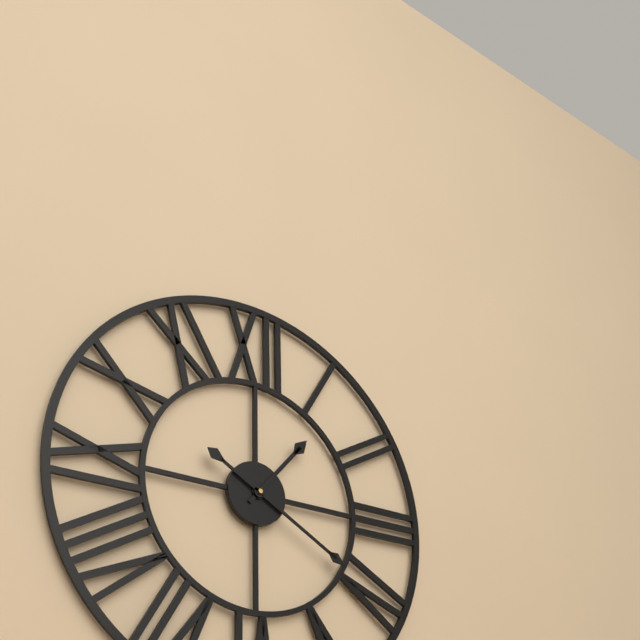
1:20
